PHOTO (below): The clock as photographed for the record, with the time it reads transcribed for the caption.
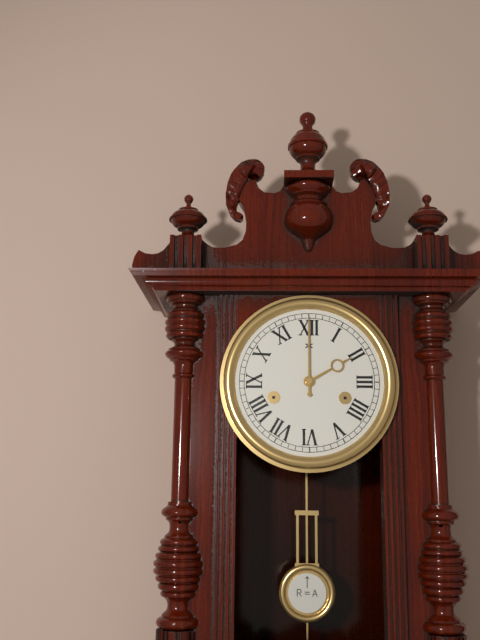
2:00
